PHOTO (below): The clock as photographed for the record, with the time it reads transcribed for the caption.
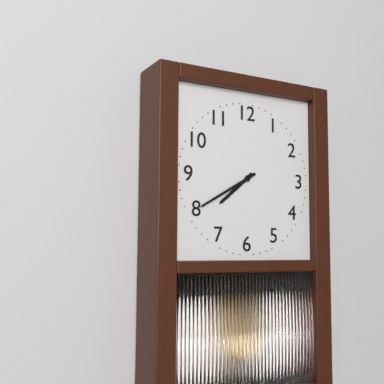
7:40
